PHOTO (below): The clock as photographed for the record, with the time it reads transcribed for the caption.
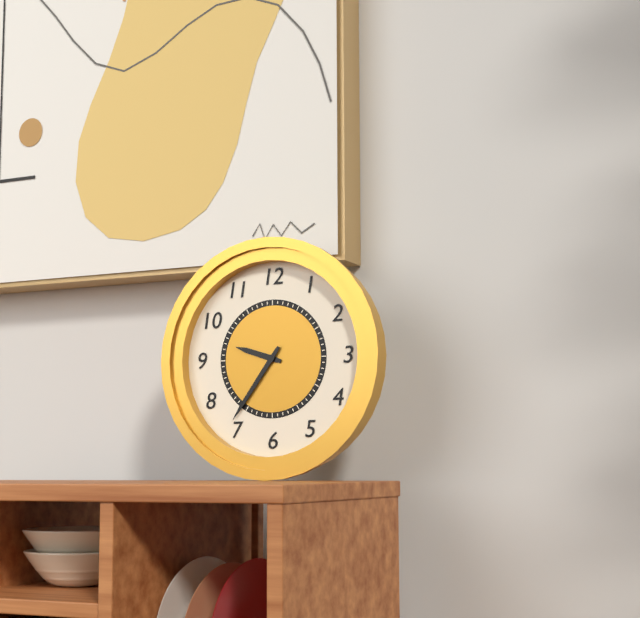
9:36
